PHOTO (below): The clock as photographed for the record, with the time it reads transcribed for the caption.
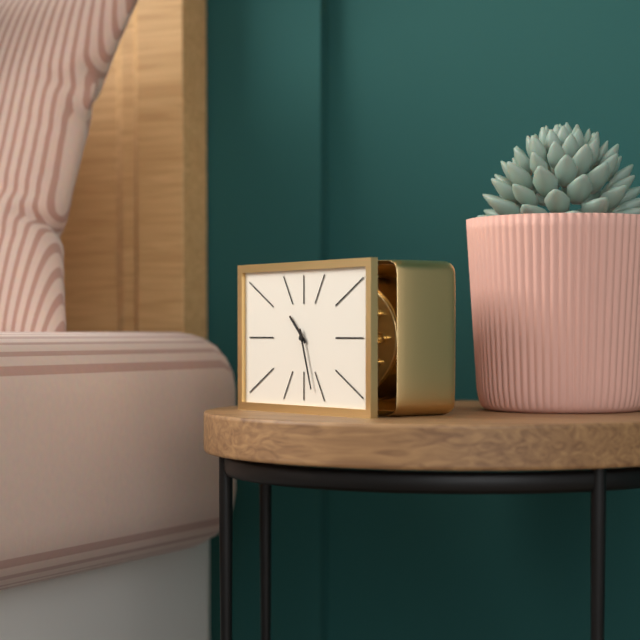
10:27
